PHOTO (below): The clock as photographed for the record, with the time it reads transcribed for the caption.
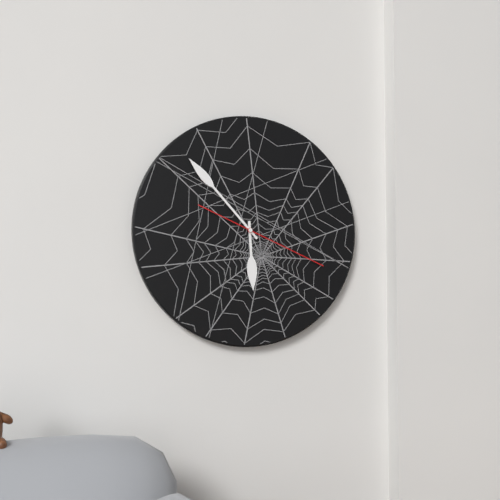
5:53:19
